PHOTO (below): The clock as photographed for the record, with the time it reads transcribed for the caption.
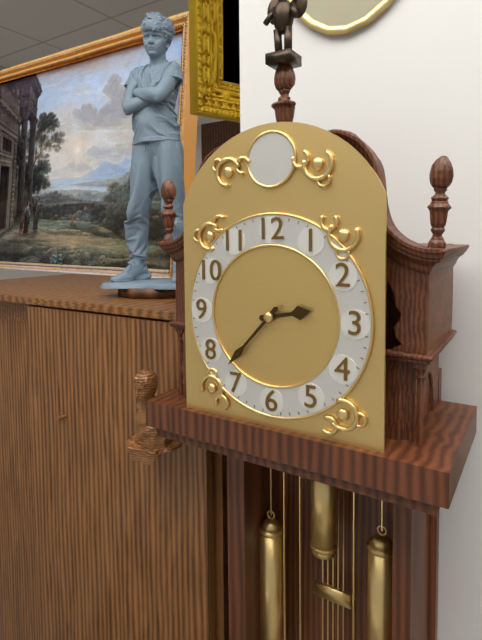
2:37
